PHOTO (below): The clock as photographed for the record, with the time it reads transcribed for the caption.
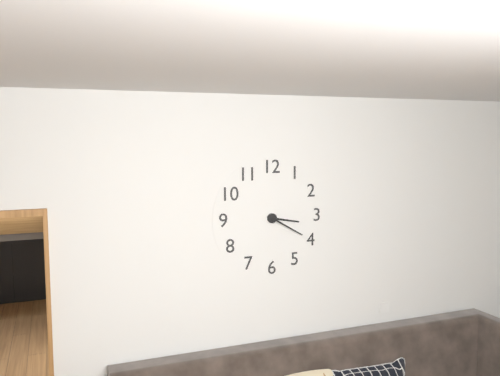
3:20
